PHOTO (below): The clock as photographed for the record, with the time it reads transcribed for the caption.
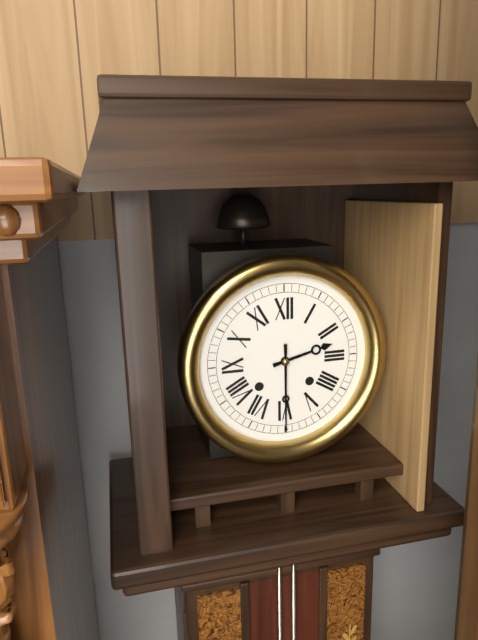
2:30
